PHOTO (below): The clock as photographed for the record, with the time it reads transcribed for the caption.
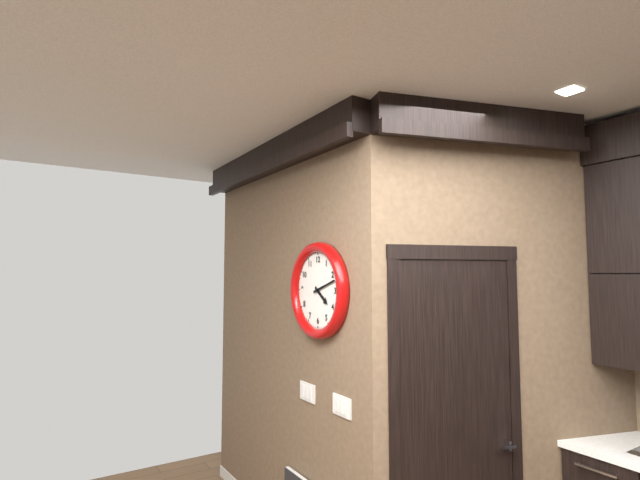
4:12
